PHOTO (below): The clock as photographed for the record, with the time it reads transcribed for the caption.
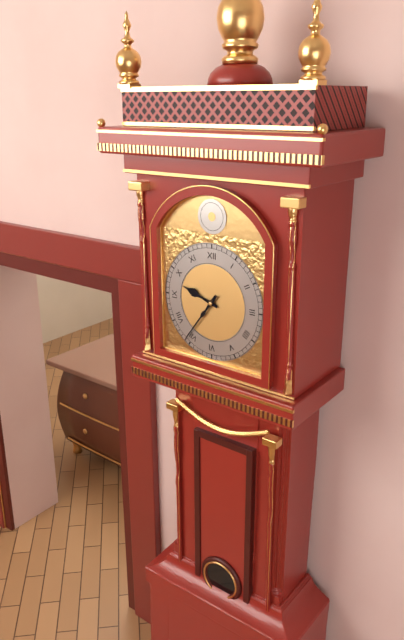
9:36
